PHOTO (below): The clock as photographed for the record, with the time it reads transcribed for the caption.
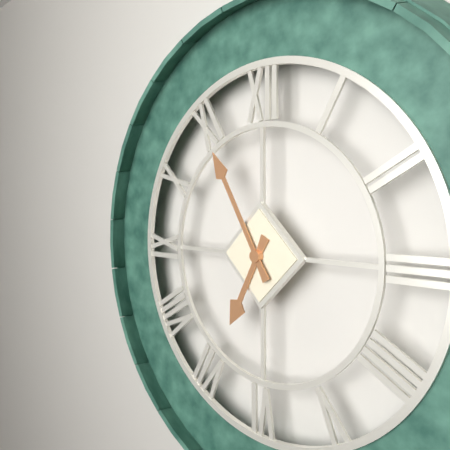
6:55
